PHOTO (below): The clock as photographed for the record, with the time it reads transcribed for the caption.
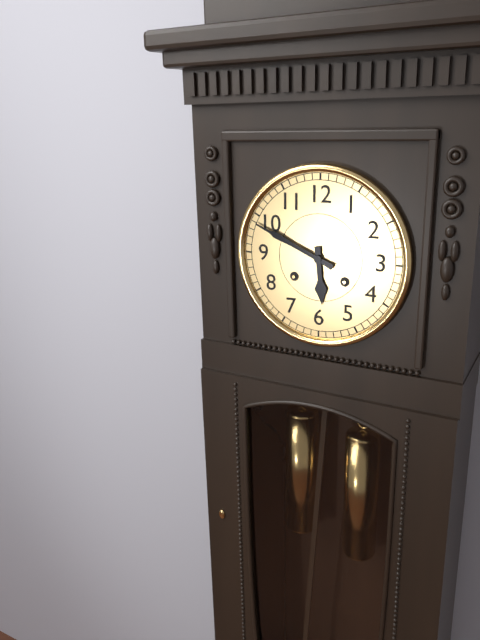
5:49
